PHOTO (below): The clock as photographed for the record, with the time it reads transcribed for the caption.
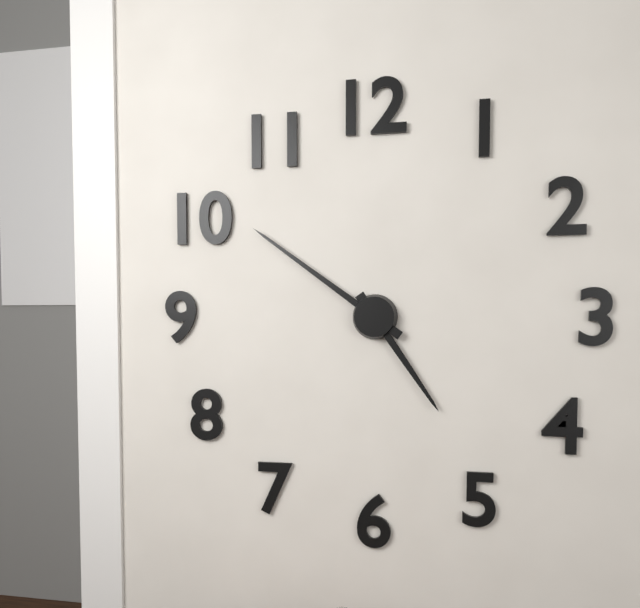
4:51
